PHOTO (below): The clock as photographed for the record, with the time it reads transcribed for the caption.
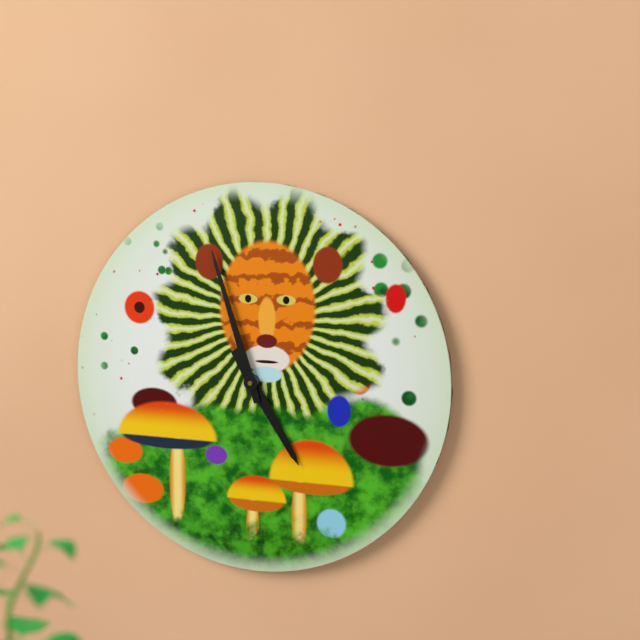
4:57
